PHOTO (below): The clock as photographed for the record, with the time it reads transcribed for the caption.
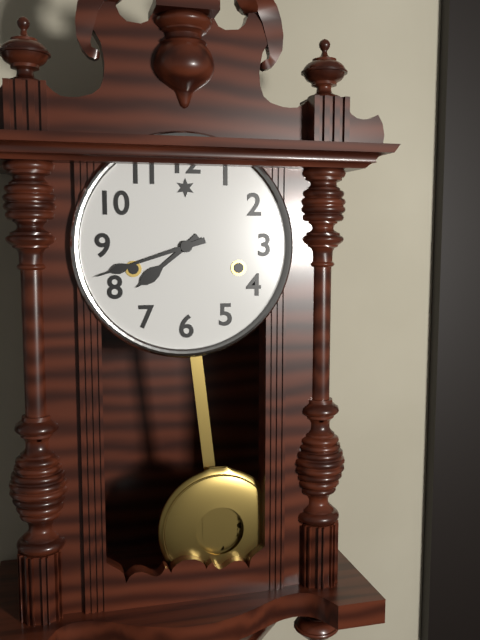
7:42
